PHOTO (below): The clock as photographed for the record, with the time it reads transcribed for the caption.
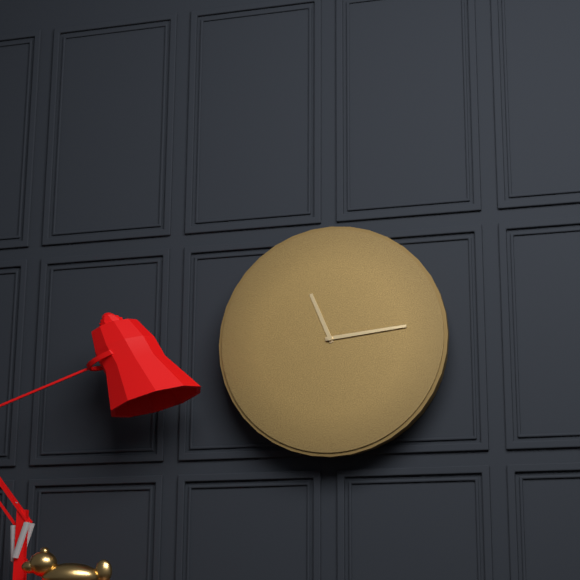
11:14
